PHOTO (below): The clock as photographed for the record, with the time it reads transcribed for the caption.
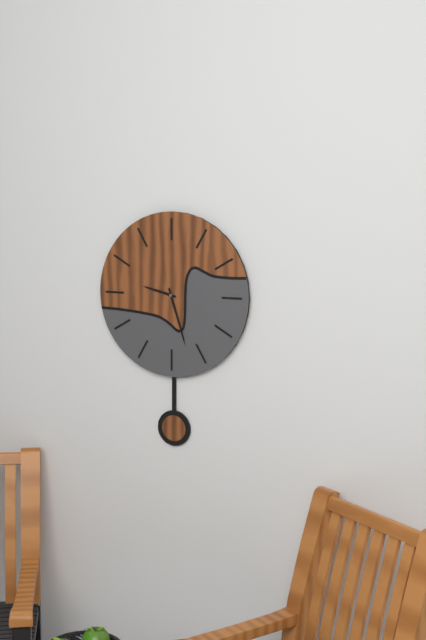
9:27
